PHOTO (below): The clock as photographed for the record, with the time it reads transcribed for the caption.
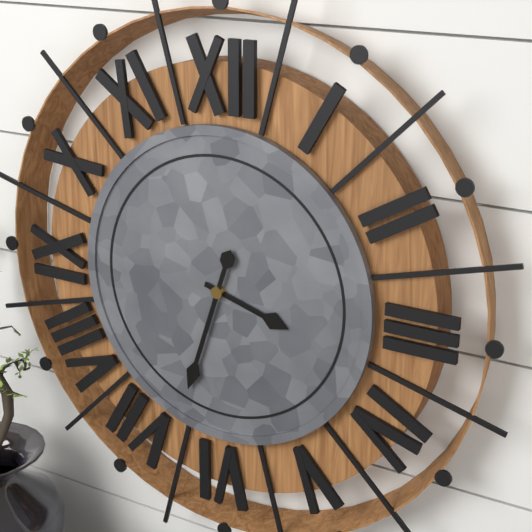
3:33
